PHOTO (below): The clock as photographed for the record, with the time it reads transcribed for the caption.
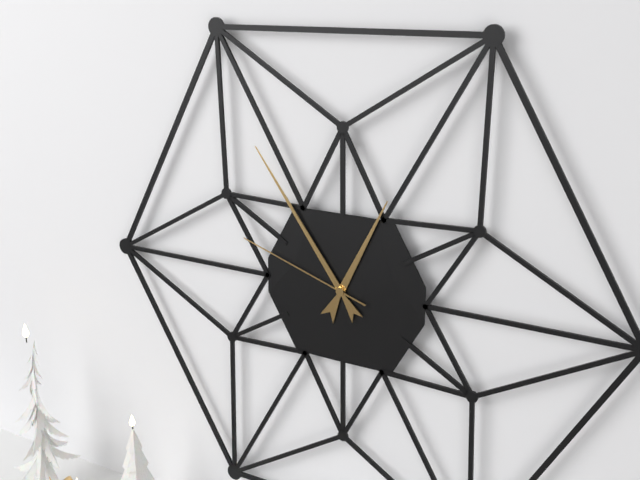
12:54:48
